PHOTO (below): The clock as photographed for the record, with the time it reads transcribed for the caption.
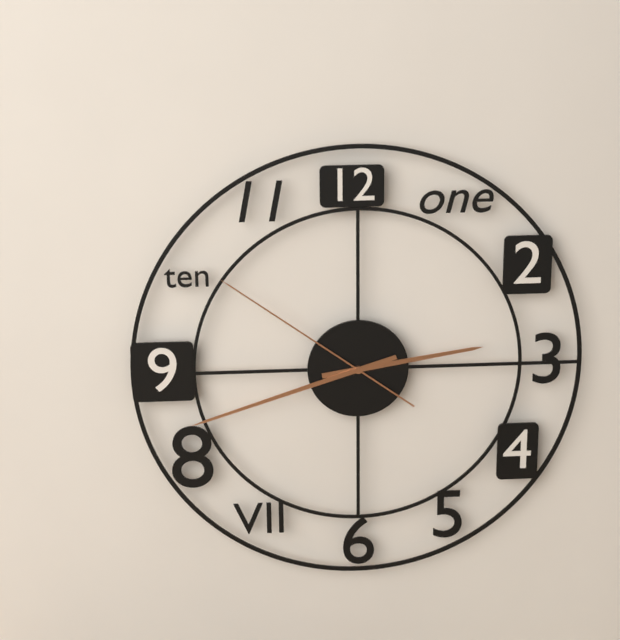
2:42:51
